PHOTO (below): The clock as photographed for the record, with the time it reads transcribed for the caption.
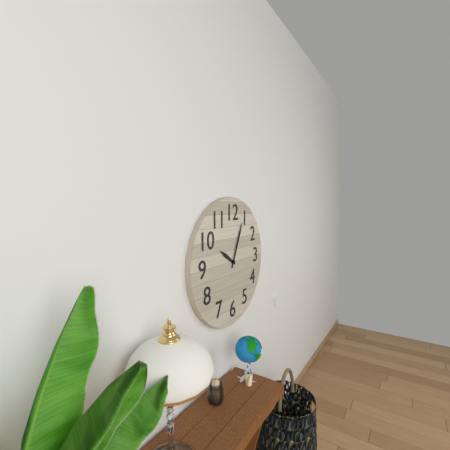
10:04
